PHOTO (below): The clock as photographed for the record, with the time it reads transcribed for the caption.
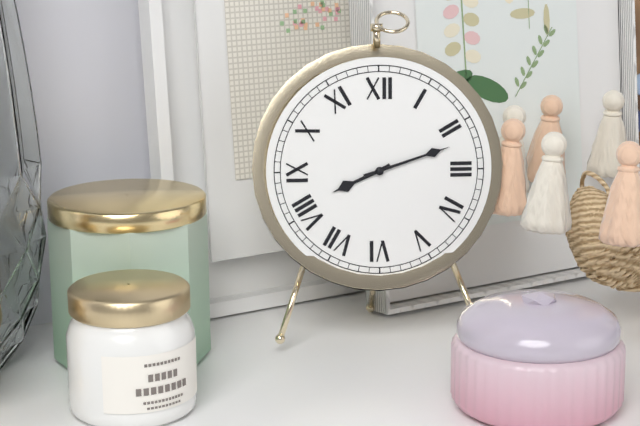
8:12
